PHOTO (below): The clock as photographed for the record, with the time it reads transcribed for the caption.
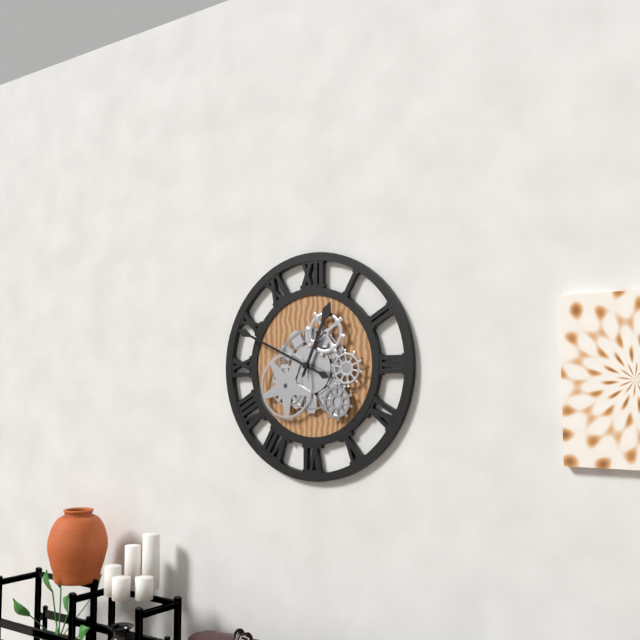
12:49
